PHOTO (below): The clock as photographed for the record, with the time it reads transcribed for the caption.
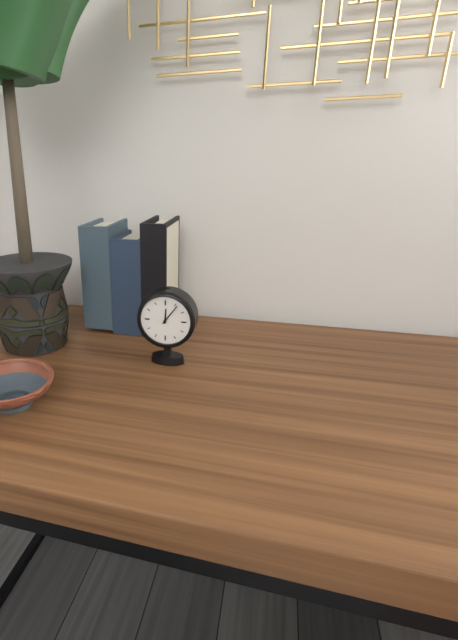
12:06
